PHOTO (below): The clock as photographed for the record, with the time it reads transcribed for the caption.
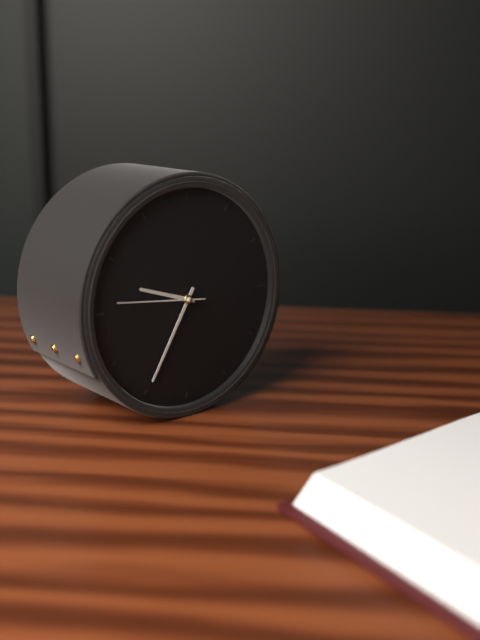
9:35:46
